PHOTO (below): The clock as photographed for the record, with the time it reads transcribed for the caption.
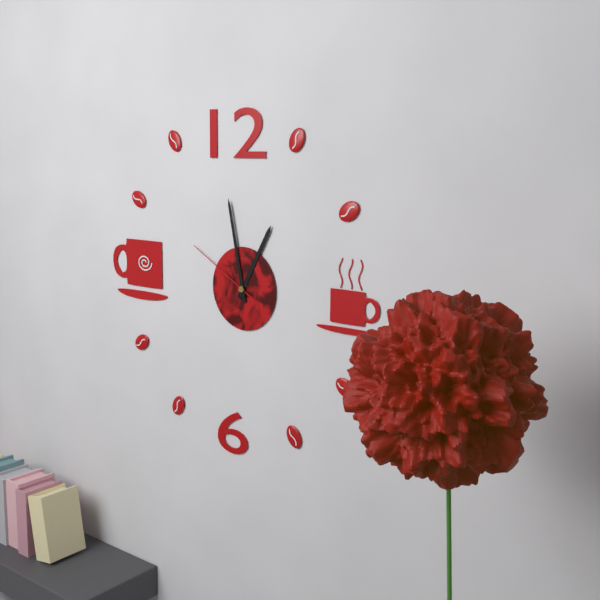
12:58:50
